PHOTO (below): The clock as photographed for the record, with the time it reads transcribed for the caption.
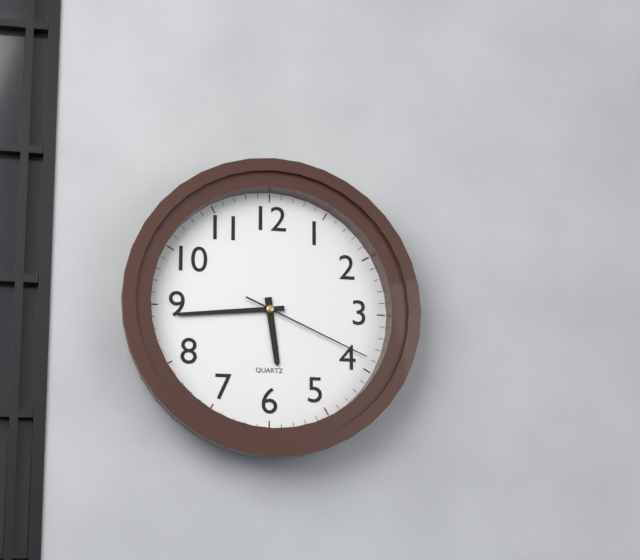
5:44:19
